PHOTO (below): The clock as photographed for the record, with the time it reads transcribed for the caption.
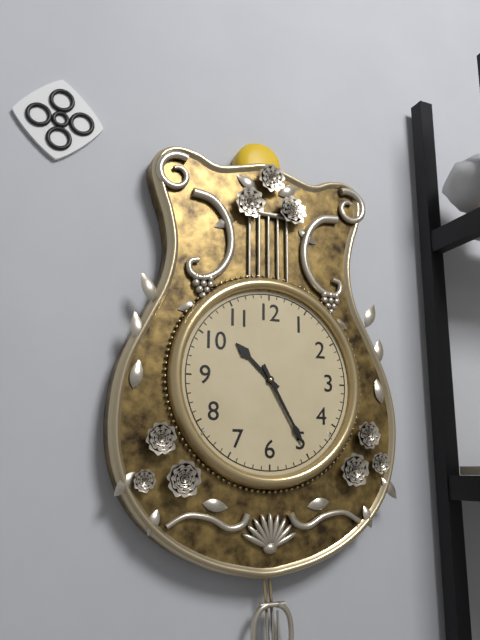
10:25
